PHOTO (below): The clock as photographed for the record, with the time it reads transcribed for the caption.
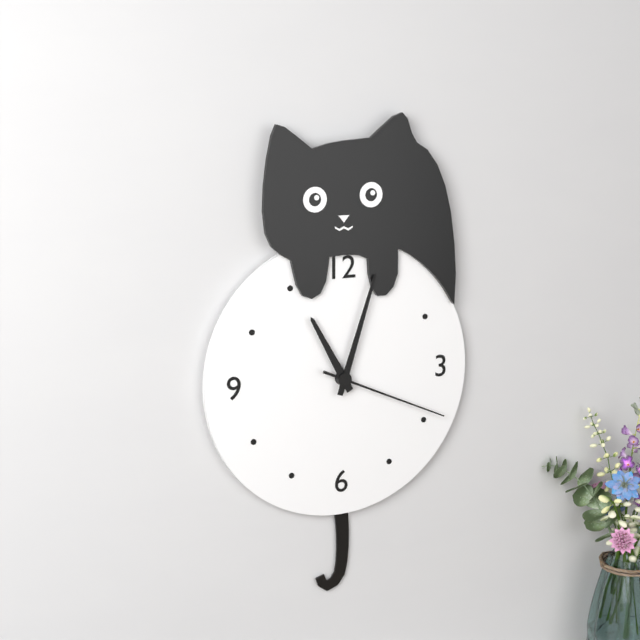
11:03:19
